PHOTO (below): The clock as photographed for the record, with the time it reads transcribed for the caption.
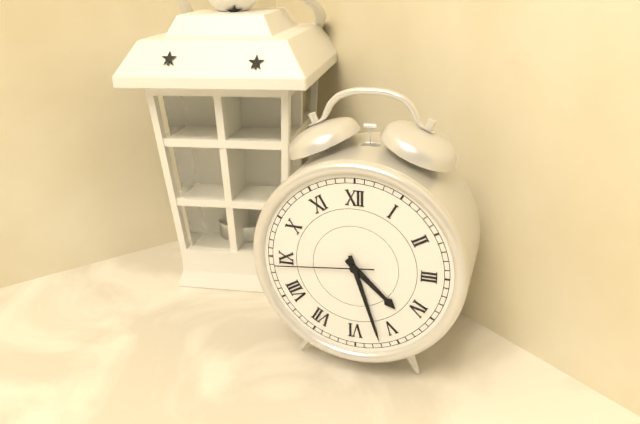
4:27:44
